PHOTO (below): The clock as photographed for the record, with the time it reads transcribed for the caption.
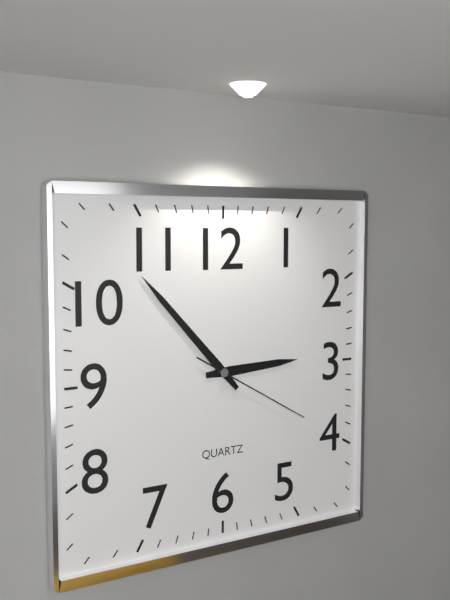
2:53:20
